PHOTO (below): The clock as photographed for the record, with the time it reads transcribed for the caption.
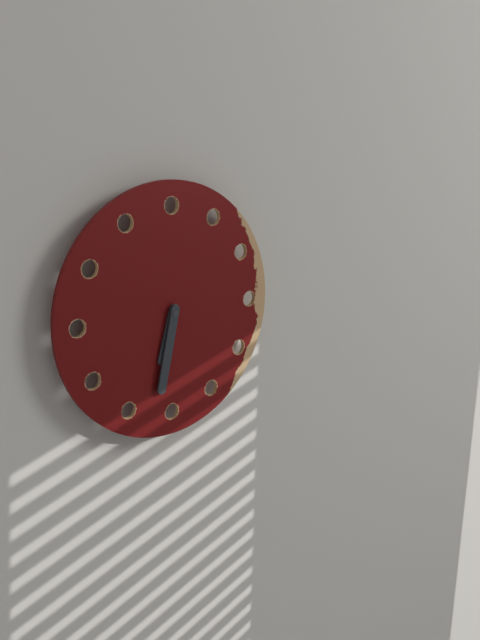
6:32
